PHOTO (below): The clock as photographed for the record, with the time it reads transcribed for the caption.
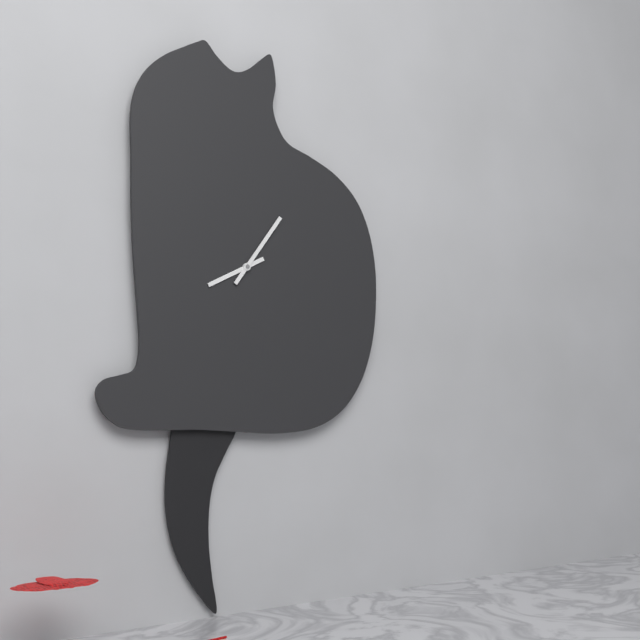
8:06
